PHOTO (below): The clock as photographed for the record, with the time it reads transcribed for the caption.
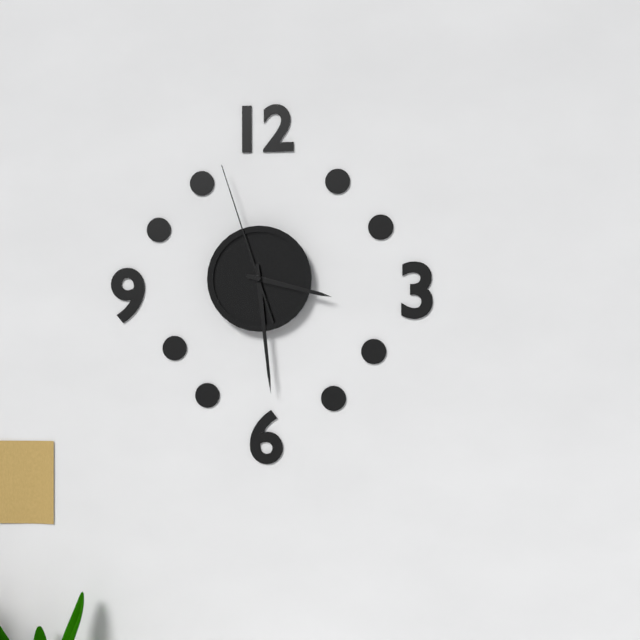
3:29:57
